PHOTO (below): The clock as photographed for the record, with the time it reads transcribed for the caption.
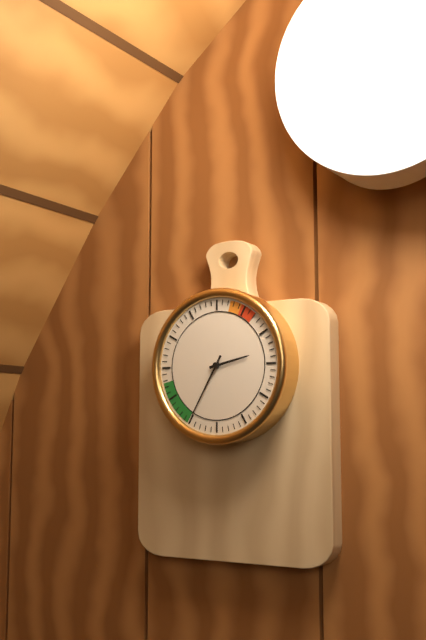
2:35
